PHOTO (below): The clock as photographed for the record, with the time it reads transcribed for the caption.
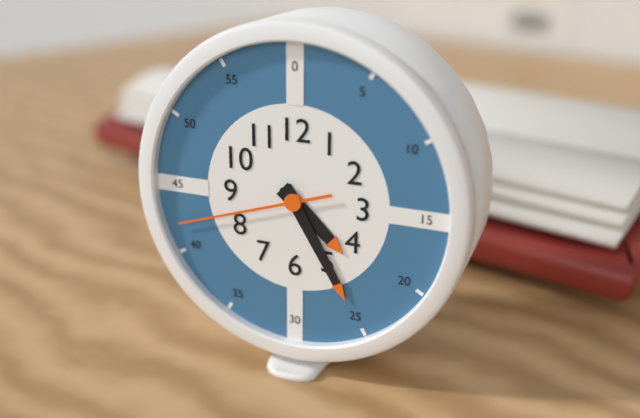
4:25:42
